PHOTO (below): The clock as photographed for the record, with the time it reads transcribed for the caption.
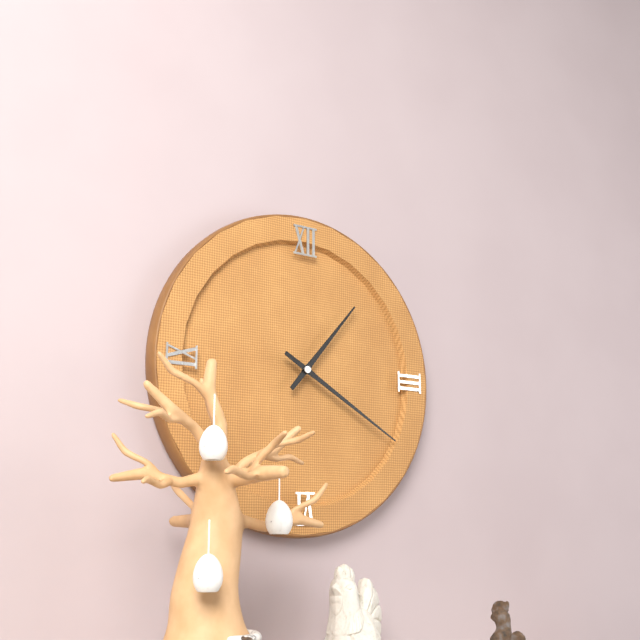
1:20
